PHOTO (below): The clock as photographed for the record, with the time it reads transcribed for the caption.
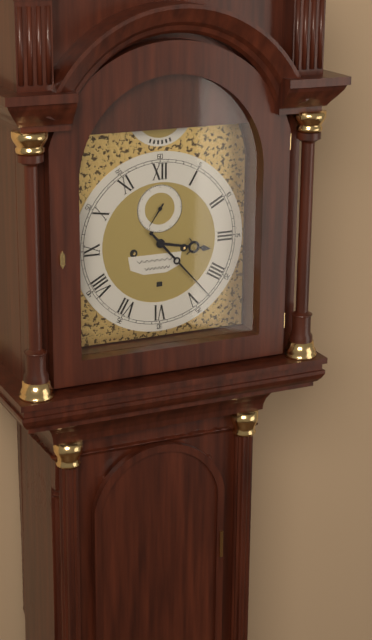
3:23
